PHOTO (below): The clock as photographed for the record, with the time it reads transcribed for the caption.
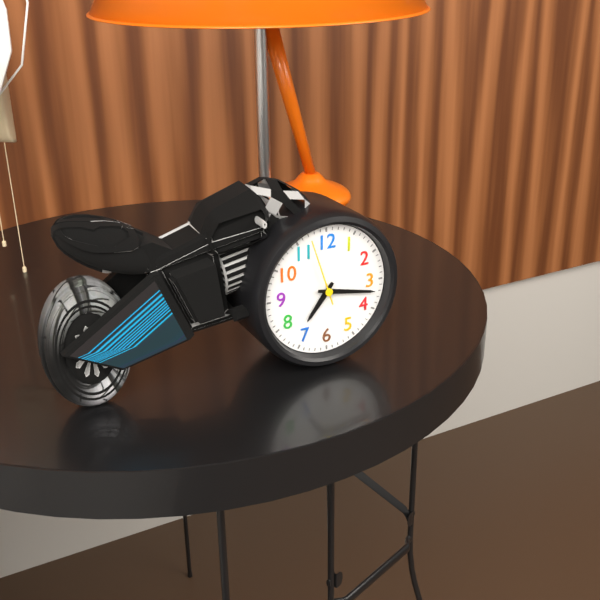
7:17:57
